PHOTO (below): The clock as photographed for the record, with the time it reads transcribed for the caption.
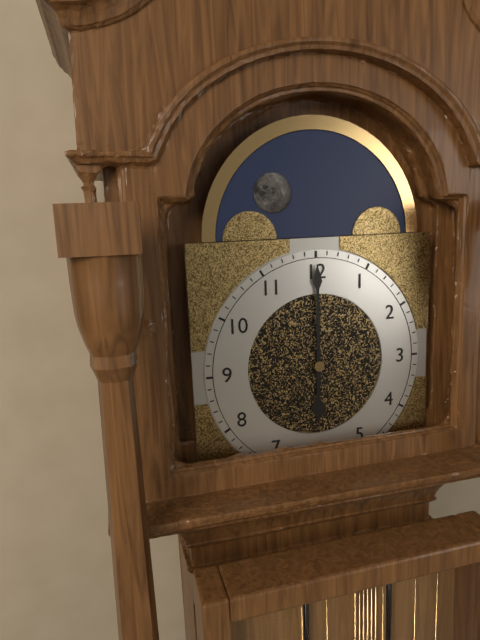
6:00
